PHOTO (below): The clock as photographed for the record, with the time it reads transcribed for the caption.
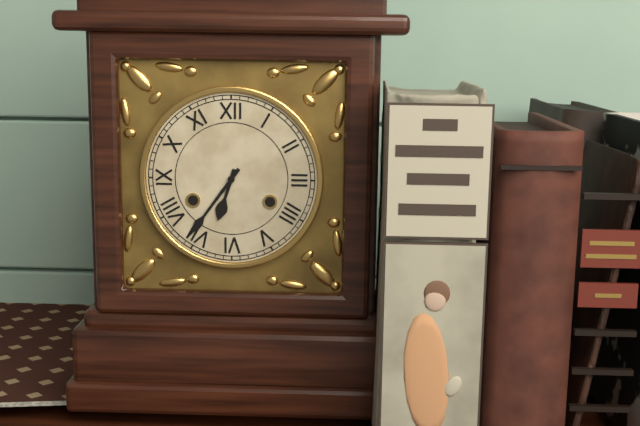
6:36
